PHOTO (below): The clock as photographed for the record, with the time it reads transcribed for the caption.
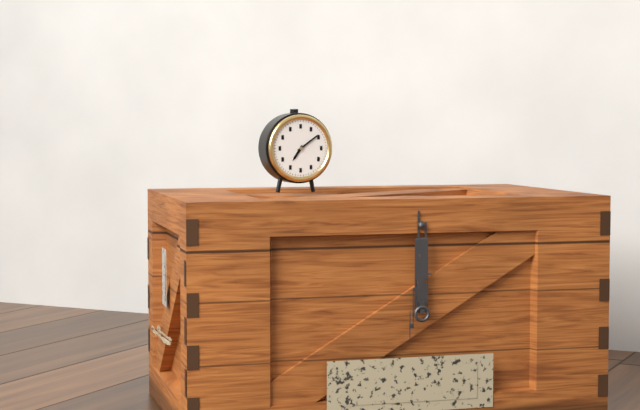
7:09
